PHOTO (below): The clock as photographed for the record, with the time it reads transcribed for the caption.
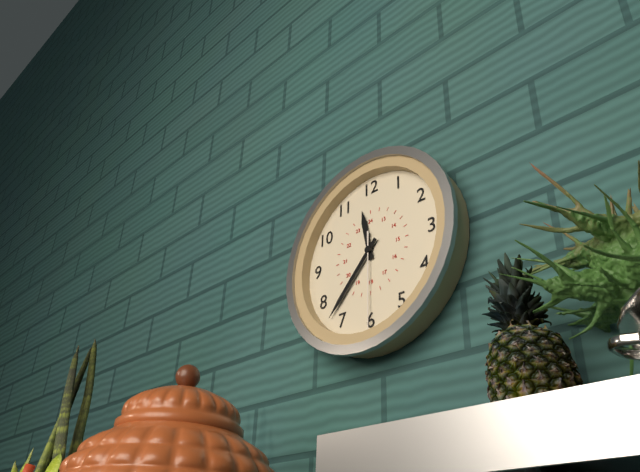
11:37:30
